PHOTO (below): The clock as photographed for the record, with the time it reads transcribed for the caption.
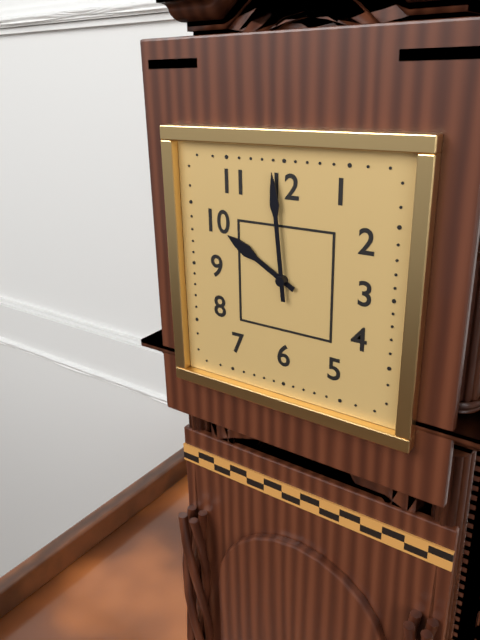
9:59
